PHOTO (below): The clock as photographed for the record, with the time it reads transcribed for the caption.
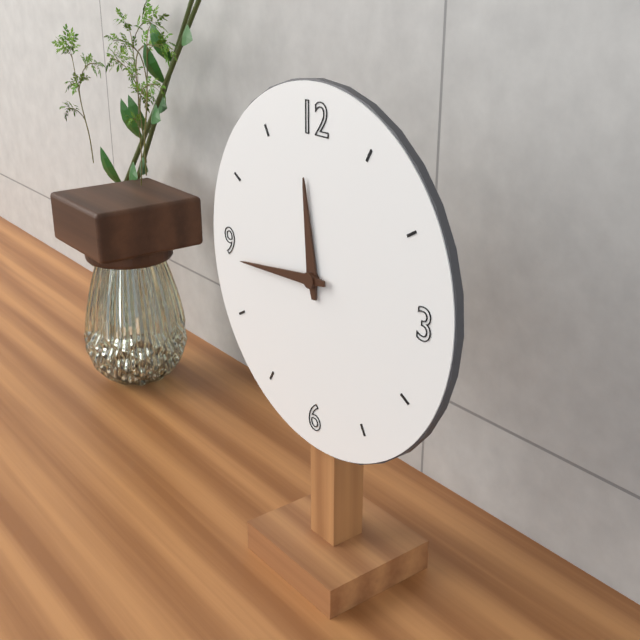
11:44
